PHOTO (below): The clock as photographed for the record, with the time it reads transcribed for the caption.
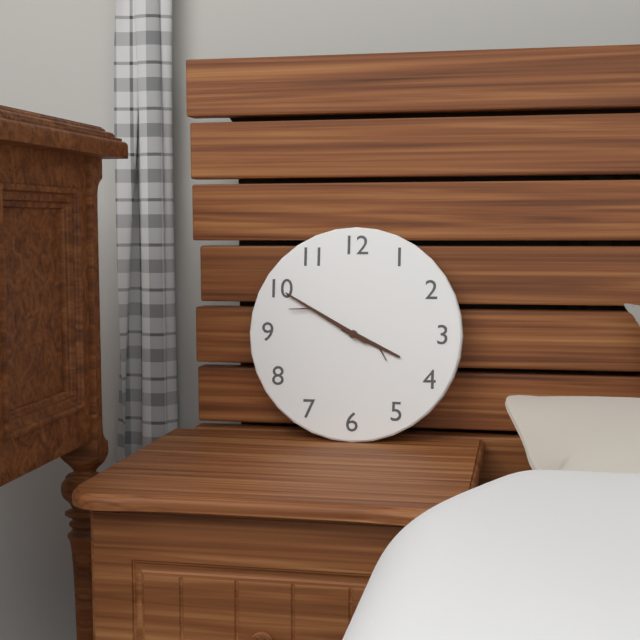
3:50
